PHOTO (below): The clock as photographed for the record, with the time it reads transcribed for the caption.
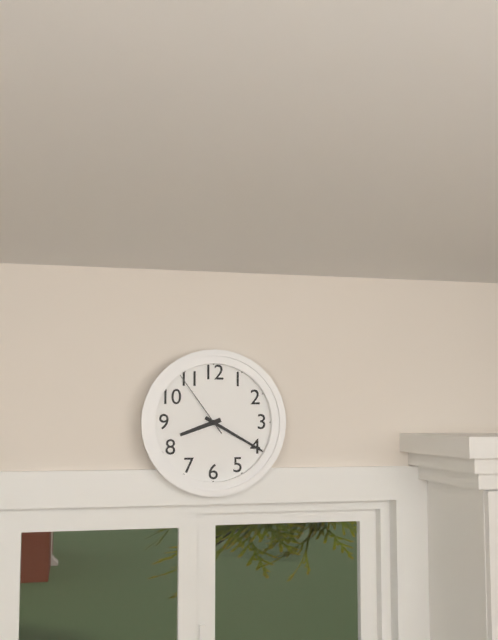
8:20:54
